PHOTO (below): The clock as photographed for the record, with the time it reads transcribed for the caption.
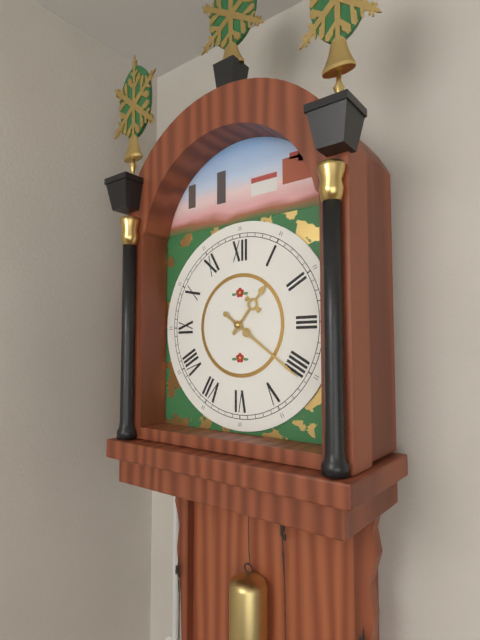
1:21
